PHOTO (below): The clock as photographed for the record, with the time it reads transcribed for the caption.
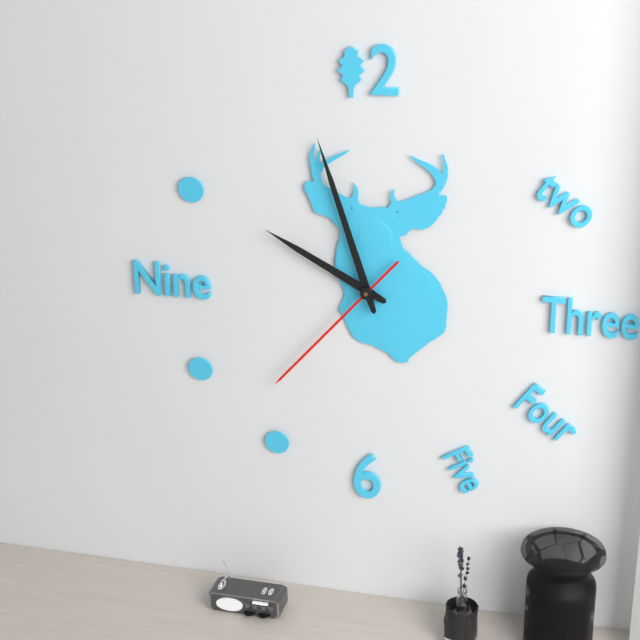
9:57:37
